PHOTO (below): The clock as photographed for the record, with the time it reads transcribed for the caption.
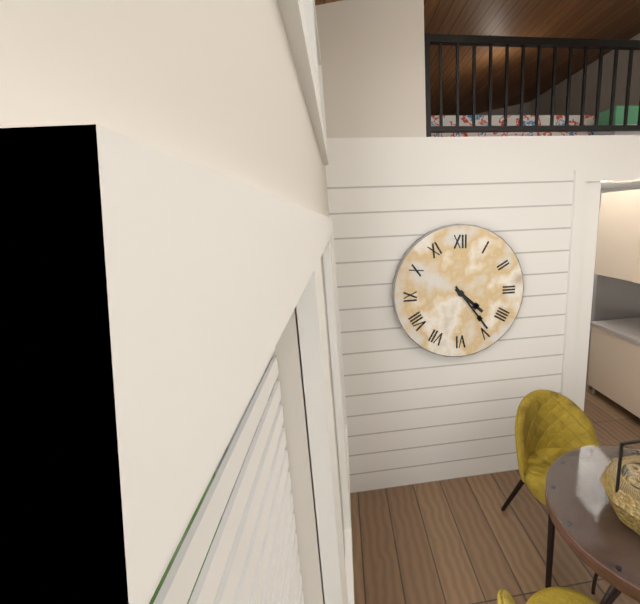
4:24
